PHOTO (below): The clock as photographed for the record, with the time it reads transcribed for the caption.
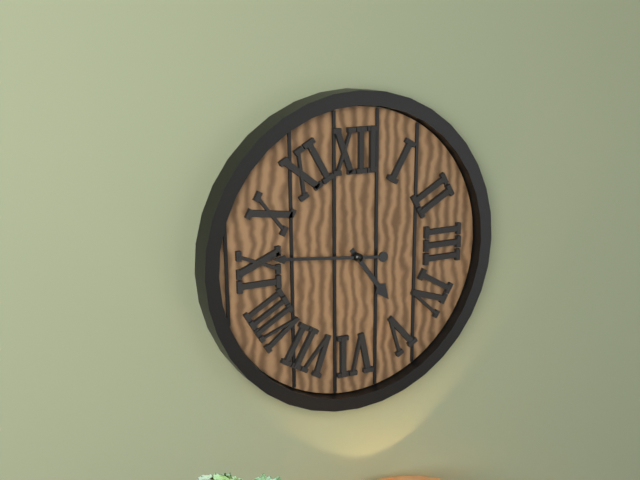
4:46
